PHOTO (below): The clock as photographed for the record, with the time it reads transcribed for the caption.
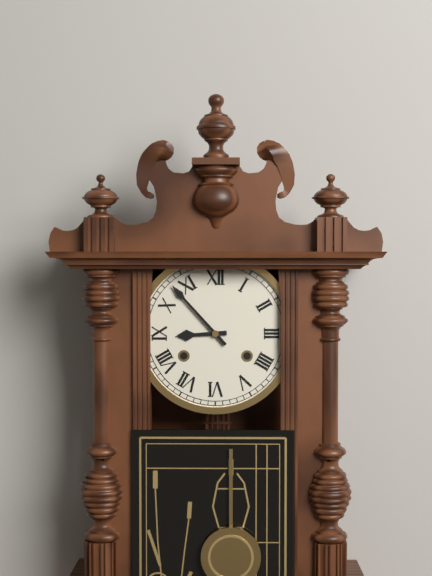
8:53
